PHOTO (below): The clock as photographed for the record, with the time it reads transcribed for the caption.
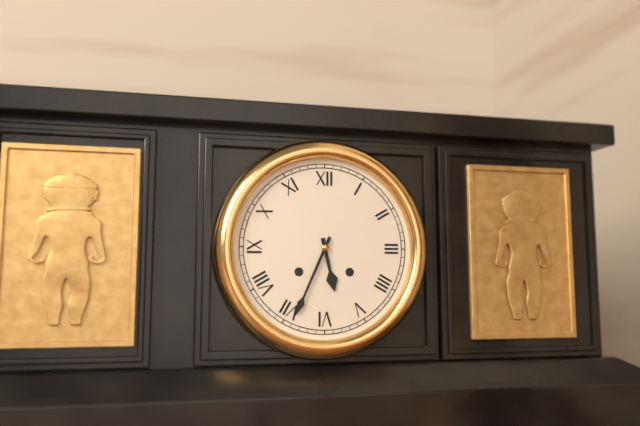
5:34
